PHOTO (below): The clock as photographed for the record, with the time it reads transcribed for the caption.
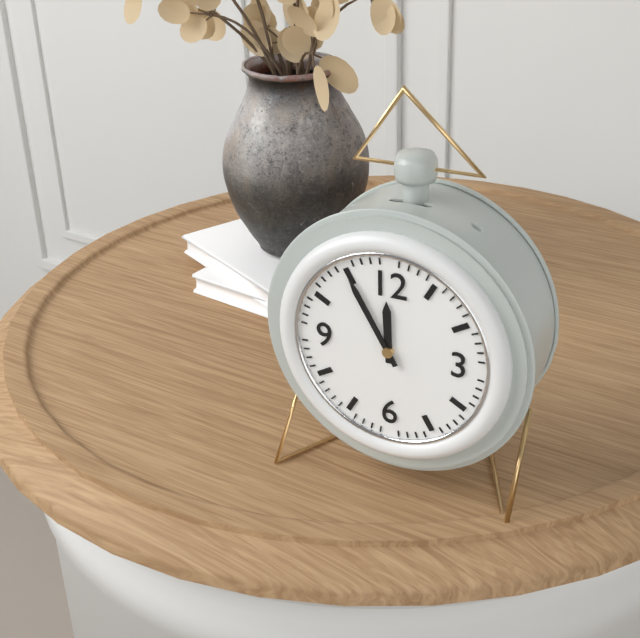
11:55
